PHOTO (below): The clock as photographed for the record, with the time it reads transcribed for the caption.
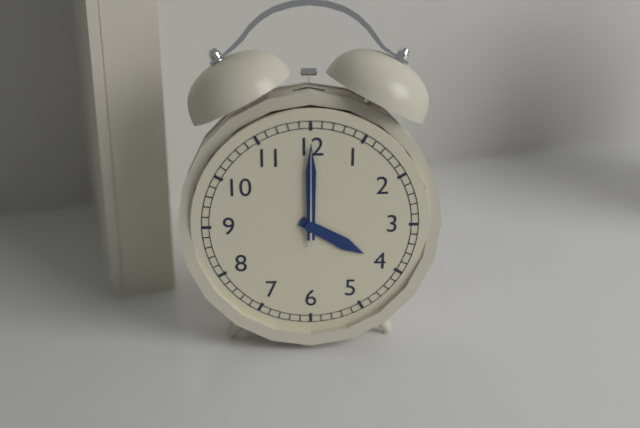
4:00:00
